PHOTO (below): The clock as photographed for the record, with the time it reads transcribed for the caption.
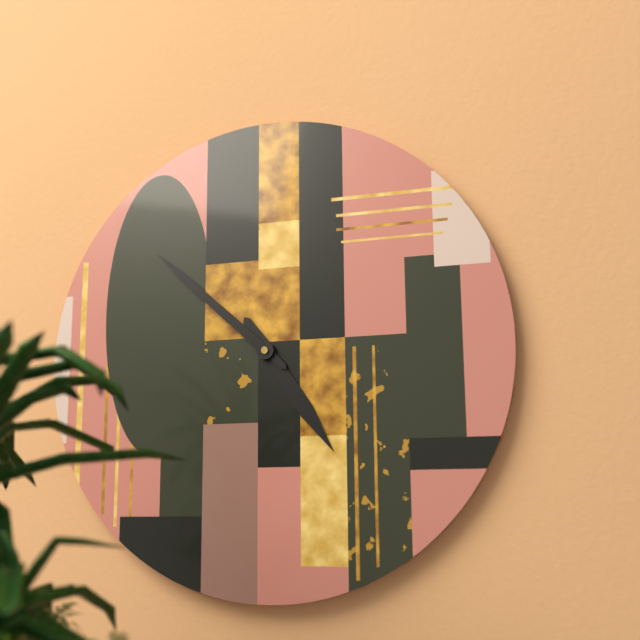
4:52
